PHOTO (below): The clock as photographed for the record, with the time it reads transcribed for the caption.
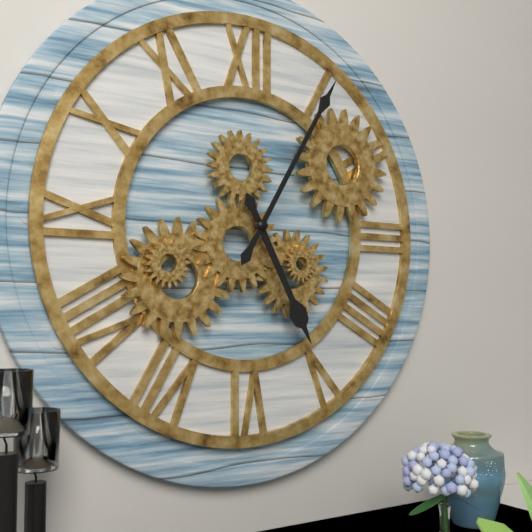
5:05
